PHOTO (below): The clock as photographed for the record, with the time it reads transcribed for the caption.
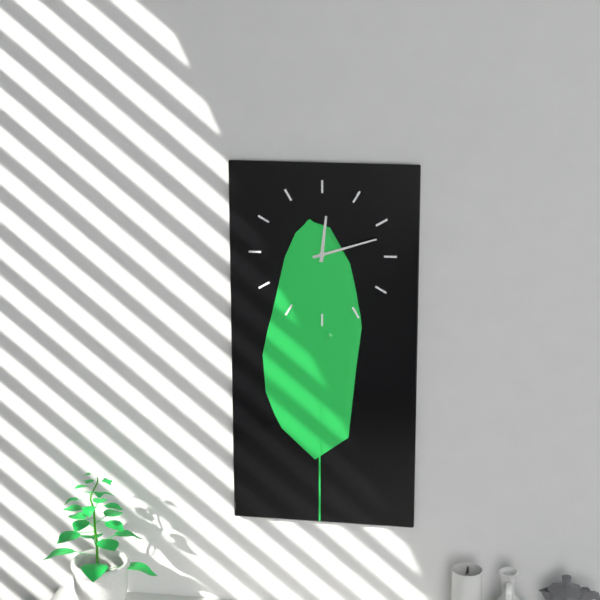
12:12
